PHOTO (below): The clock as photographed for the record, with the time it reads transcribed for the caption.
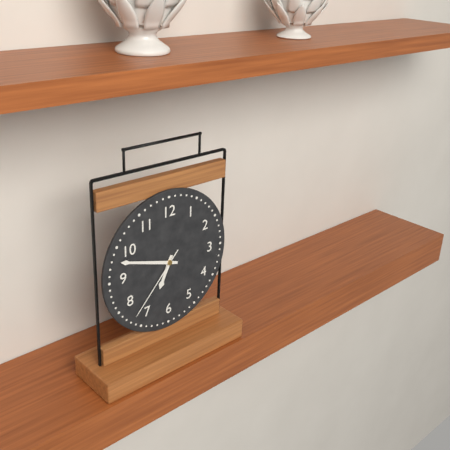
6:48:37
